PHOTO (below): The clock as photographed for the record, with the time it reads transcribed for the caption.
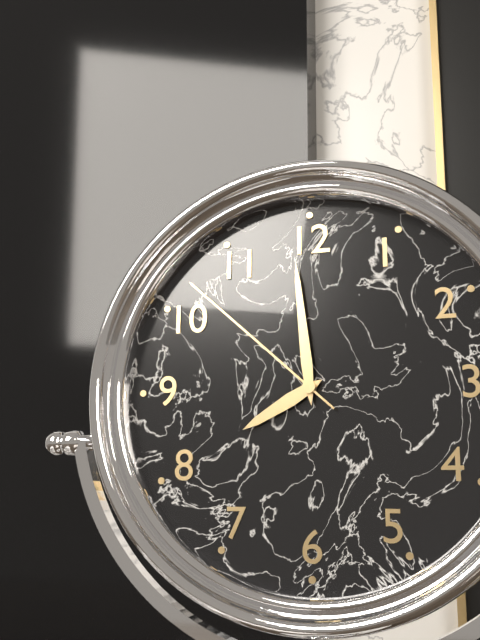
7:59:52
